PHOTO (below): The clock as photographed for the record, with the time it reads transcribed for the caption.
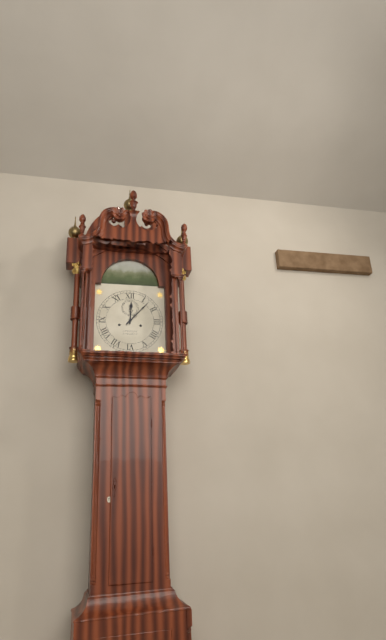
12:07
